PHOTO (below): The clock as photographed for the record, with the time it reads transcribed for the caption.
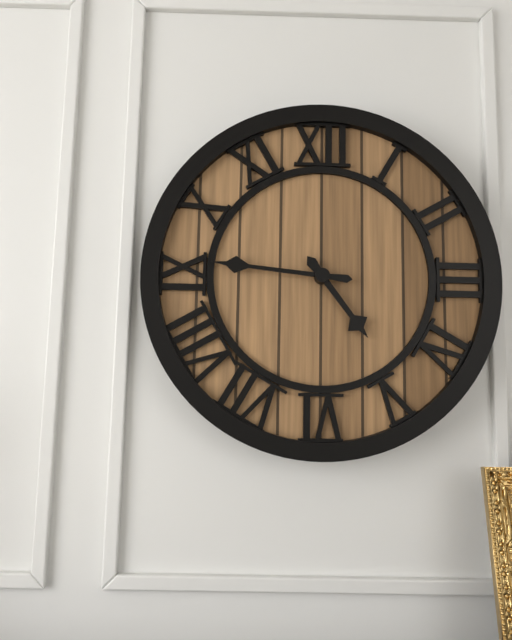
4:46
